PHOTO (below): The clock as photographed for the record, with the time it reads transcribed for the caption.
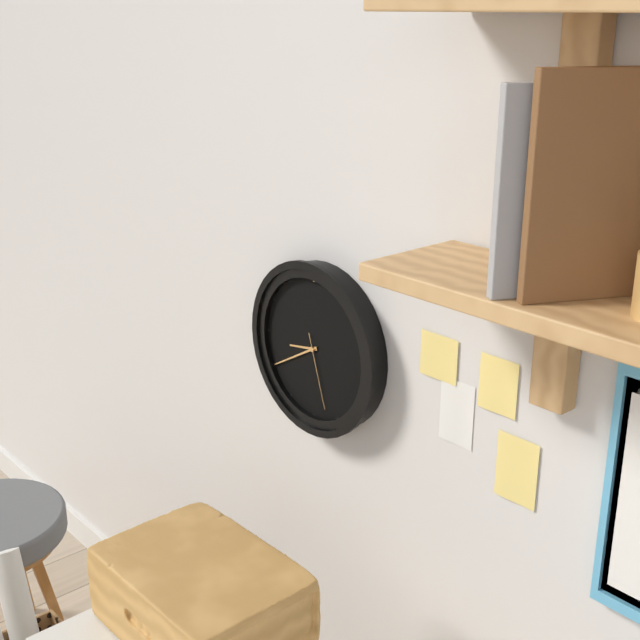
8:40:27
